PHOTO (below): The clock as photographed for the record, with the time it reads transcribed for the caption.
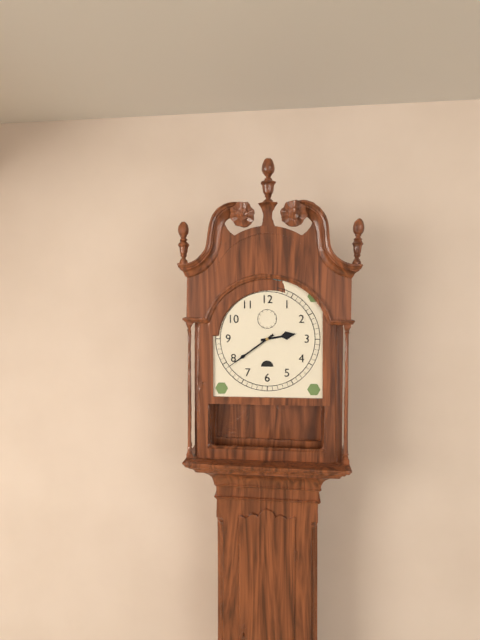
2:39
